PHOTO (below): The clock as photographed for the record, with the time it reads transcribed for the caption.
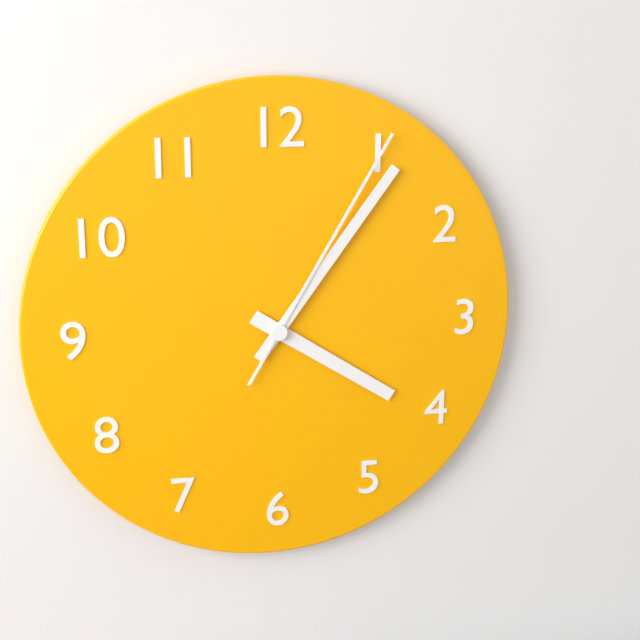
4:06:05
